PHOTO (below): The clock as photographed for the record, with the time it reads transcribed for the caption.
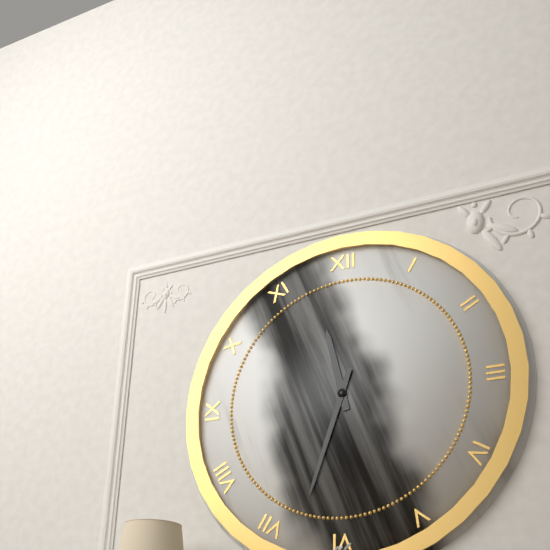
11:33
